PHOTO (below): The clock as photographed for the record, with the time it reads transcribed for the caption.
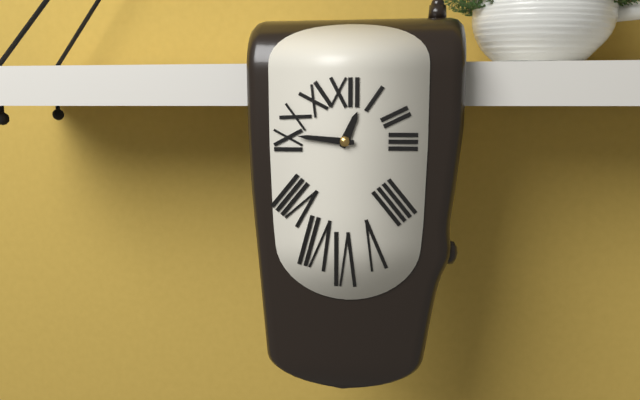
12:46
